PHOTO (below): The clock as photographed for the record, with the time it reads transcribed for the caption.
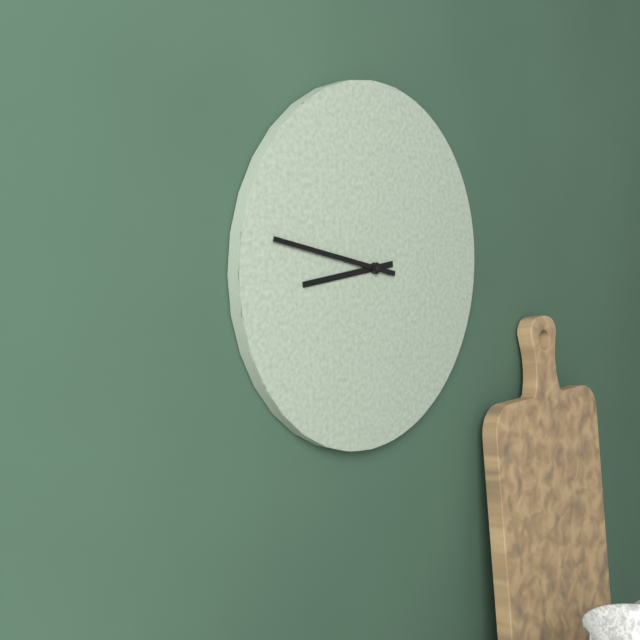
8:47
